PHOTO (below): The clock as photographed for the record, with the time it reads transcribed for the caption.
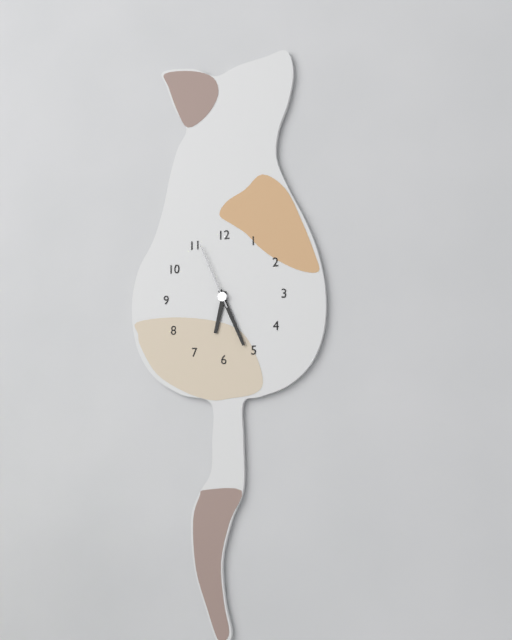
6:26:56
